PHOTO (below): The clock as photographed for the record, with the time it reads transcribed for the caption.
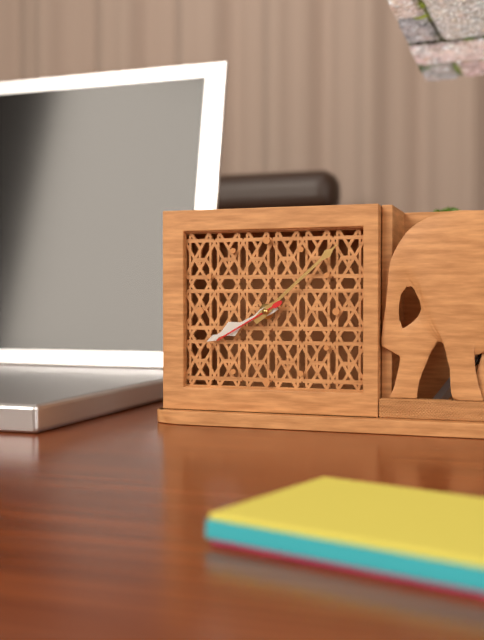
8:08:40
